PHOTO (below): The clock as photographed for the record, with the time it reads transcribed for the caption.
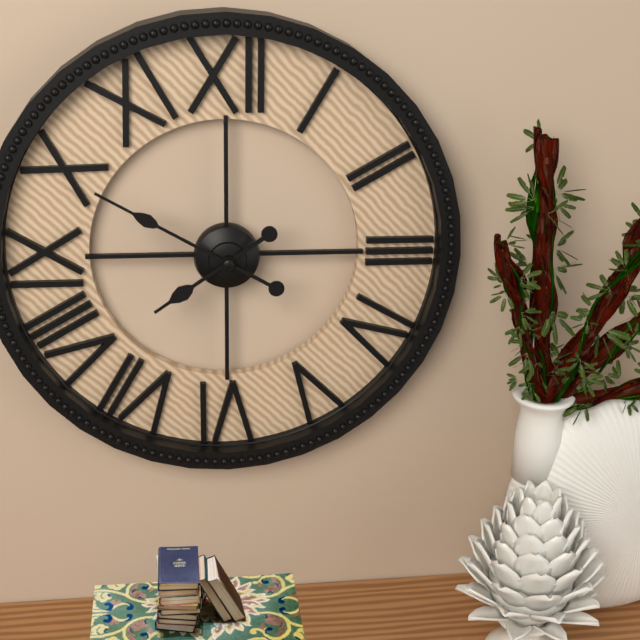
7:50
